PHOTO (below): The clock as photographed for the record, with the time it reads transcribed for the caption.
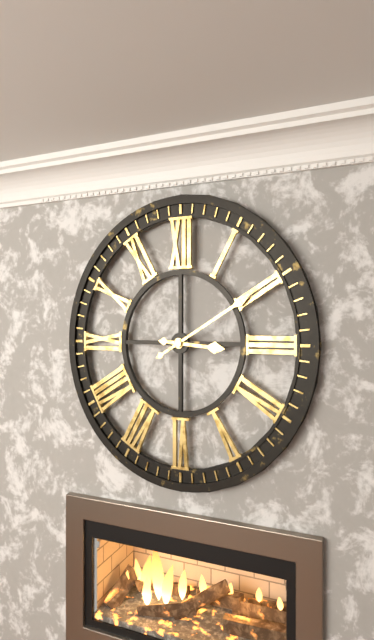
3:10
